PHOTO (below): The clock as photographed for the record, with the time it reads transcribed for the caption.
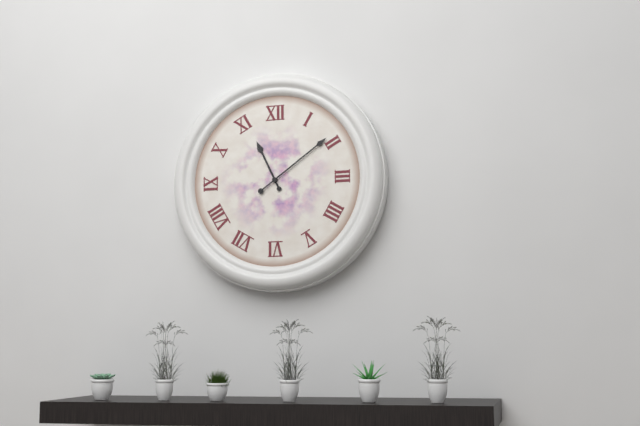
11:09
